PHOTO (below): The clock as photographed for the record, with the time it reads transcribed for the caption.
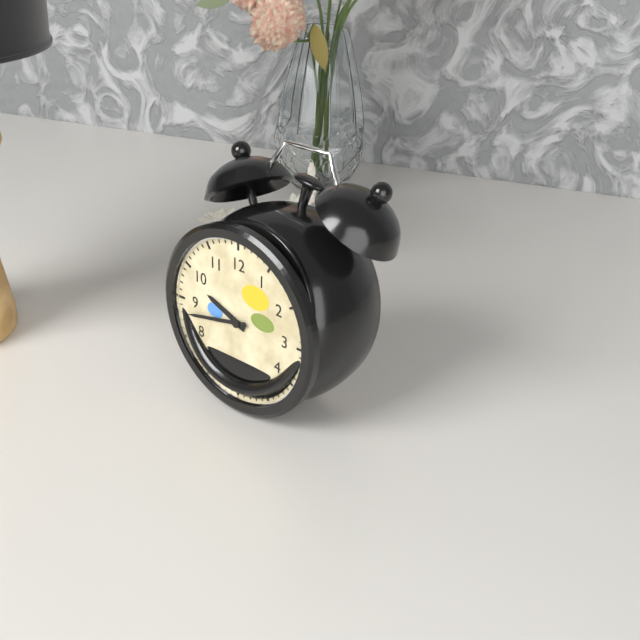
9:43
